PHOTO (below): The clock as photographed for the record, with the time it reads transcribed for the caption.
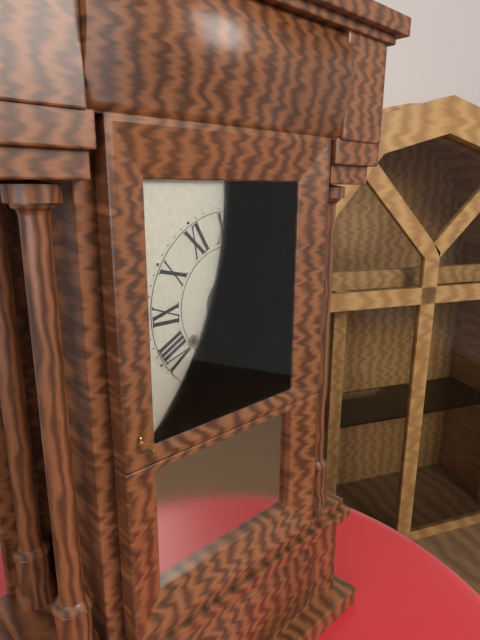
7:19
